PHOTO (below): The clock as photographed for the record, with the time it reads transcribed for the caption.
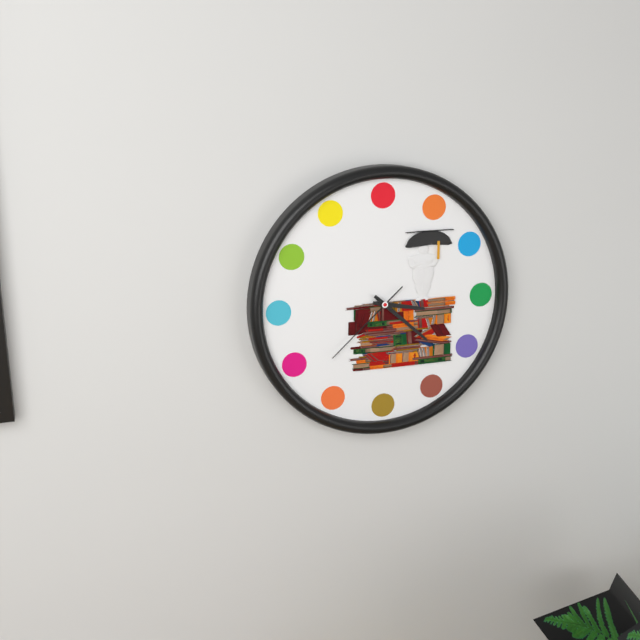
3:22:38
